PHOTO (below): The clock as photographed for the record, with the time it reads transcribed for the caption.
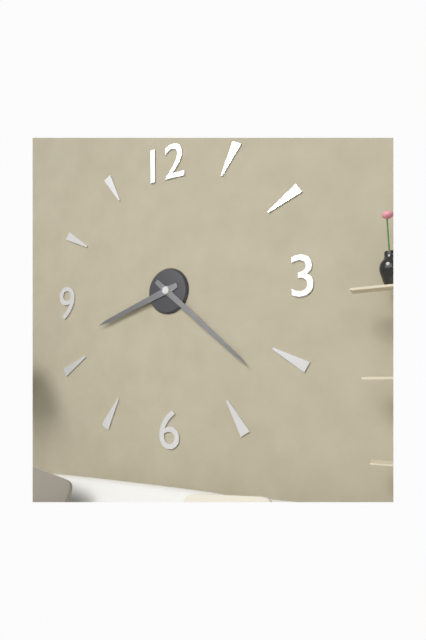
8:22
